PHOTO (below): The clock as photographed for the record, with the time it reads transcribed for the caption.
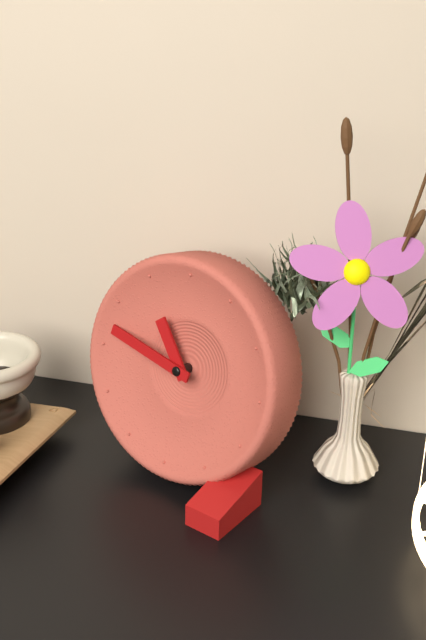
10:47
